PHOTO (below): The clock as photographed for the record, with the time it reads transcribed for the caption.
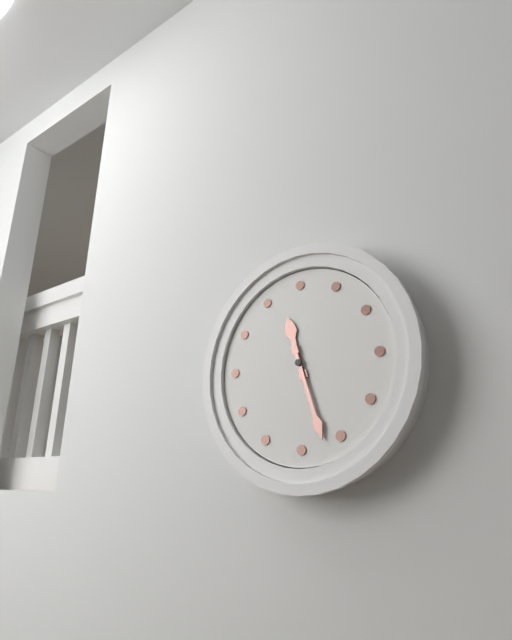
11:27
